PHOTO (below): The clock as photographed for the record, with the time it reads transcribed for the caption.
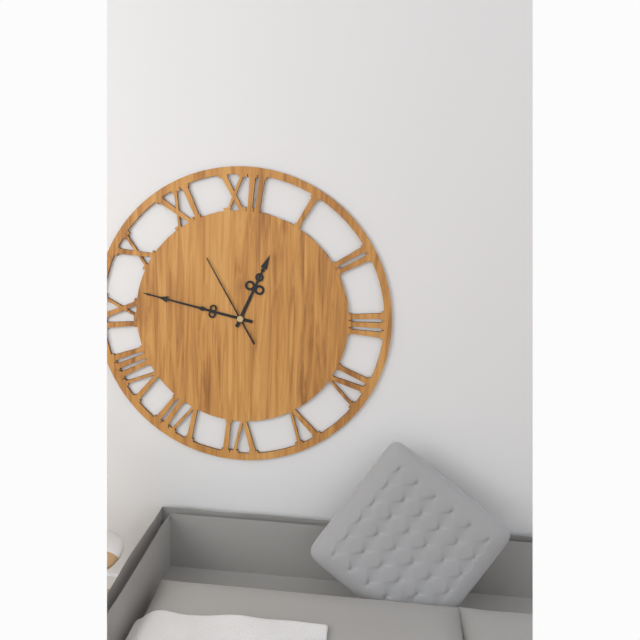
12:47:55
